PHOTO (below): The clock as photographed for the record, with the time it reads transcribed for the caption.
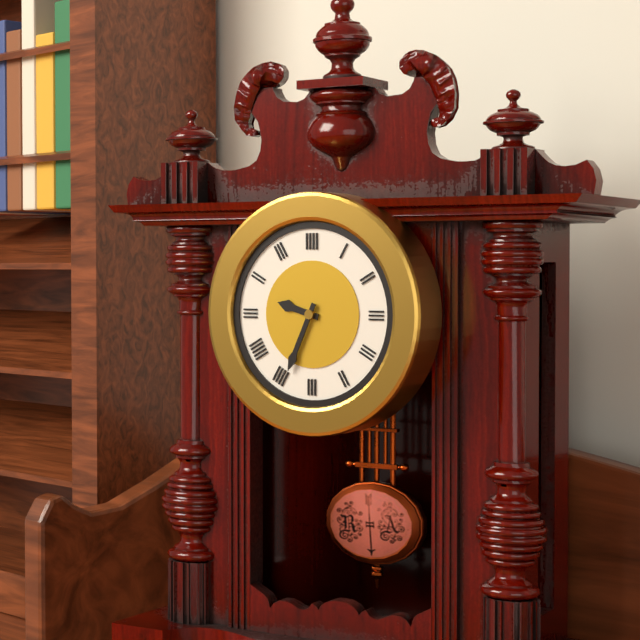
9:34
